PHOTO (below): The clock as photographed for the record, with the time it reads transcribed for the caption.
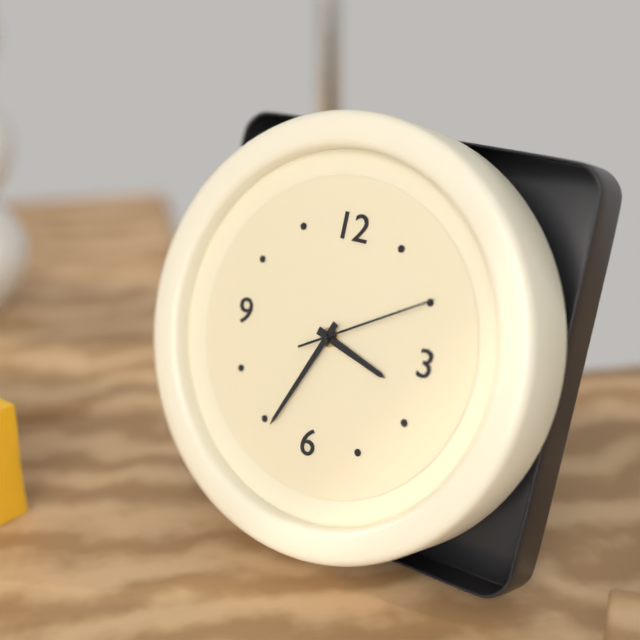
3:34:10
